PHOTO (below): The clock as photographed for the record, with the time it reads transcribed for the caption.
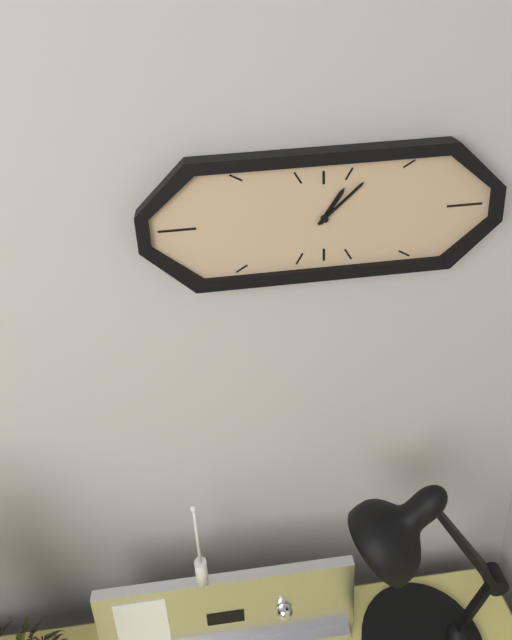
1:08
